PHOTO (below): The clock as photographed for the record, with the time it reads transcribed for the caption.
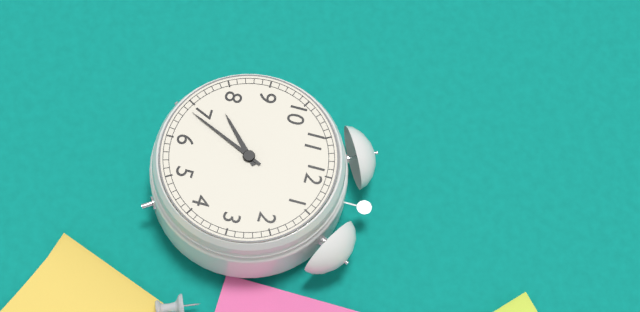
7:34
